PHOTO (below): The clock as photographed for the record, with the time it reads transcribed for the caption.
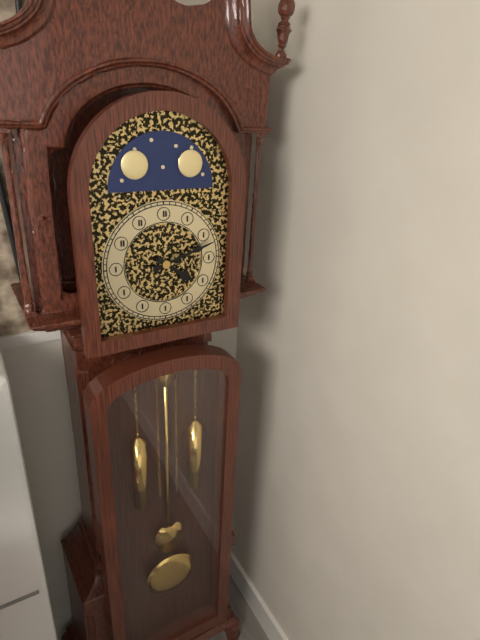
4:12
